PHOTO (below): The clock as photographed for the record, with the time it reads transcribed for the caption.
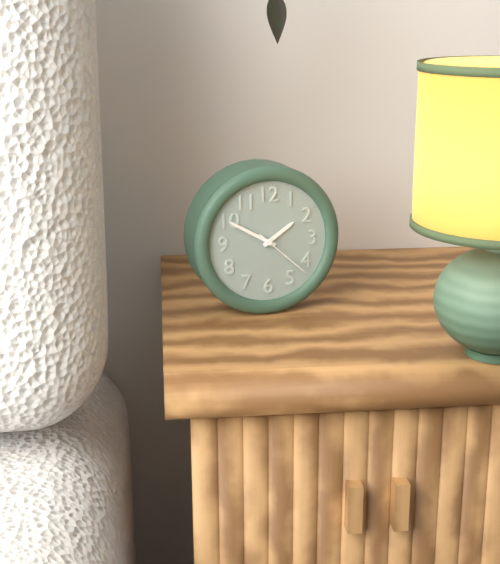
1:50:22
